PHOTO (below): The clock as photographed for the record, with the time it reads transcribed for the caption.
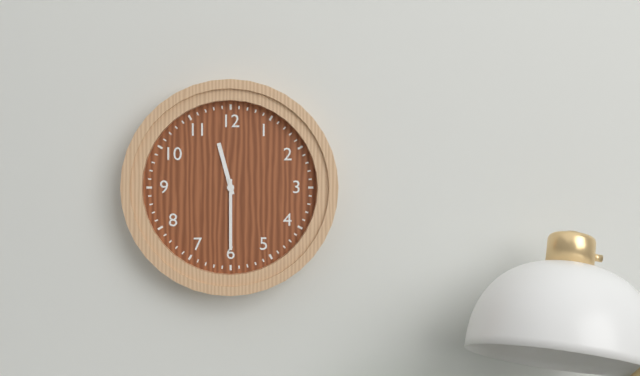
11:30
